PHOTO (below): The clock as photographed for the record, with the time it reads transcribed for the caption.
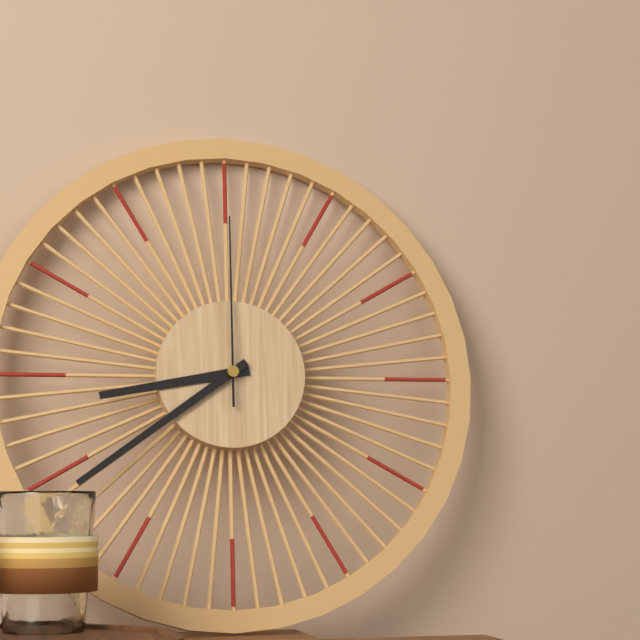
8:39:00
